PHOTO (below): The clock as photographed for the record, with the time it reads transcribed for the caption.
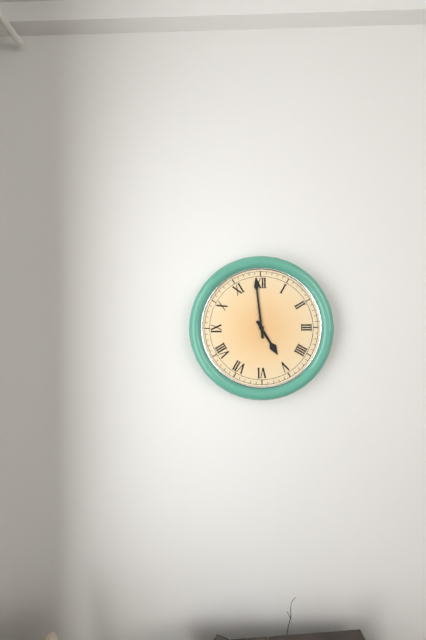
4:59
